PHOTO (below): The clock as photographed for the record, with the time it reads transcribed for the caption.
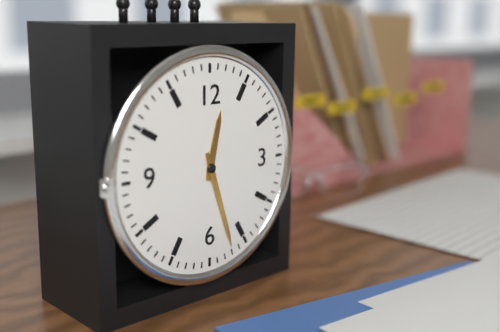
12:27
